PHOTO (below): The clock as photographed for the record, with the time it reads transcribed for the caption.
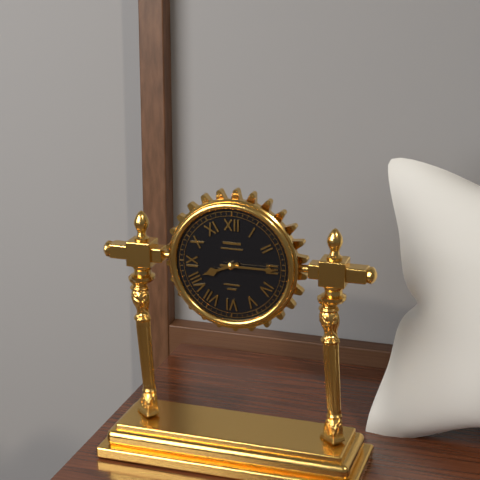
8:15
